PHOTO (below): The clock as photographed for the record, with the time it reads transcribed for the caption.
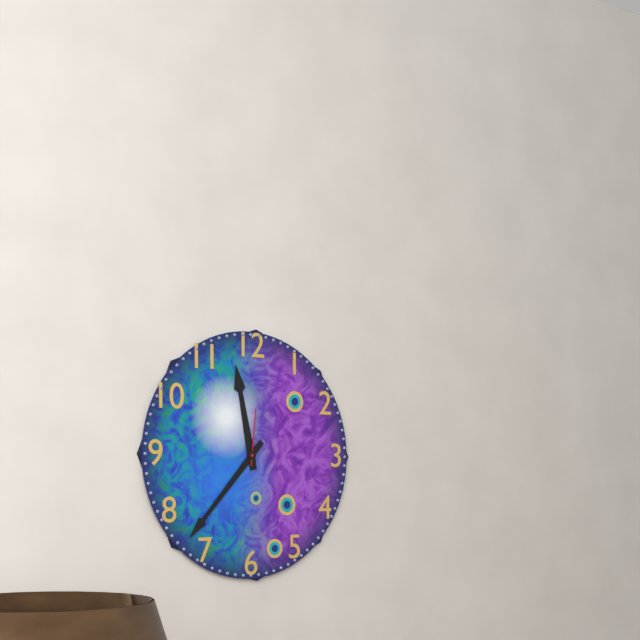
11:37:01
